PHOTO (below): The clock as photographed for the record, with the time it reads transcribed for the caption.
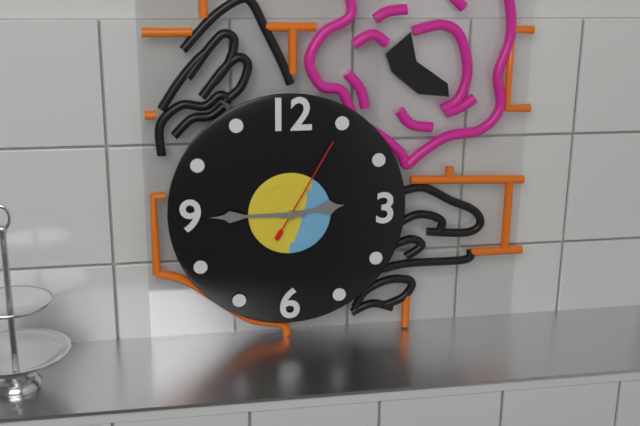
2:45:05
